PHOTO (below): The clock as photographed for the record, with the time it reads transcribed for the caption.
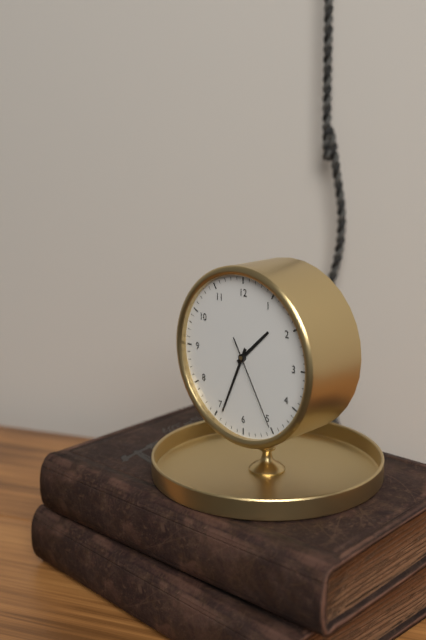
1:34:25
